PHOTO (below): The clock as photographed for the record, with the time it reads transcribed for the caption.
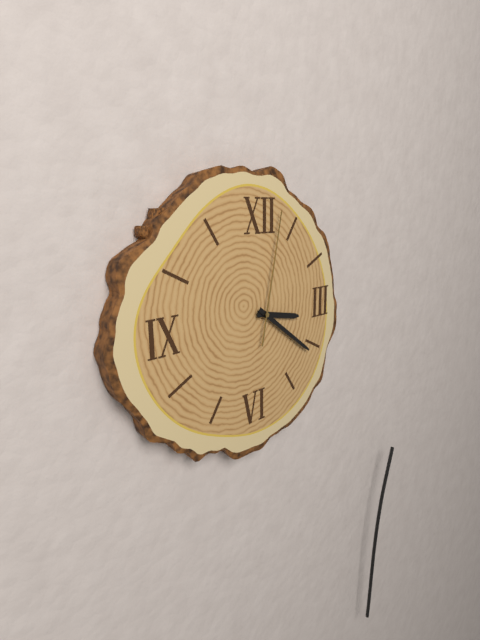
3:21:02
